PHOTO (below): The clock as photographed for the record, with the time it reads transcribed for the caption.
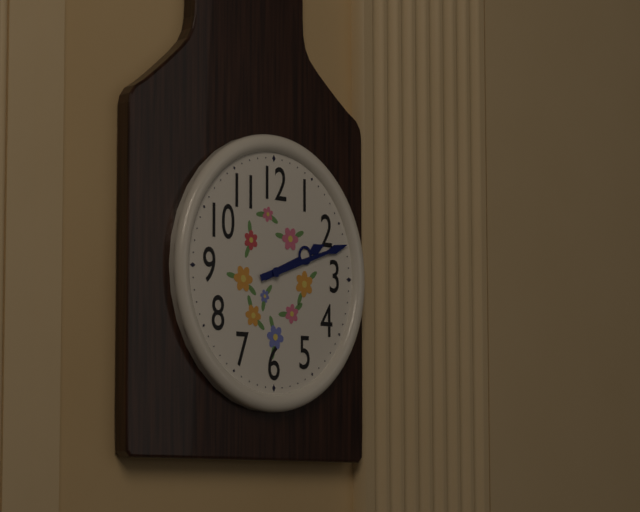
2:12
